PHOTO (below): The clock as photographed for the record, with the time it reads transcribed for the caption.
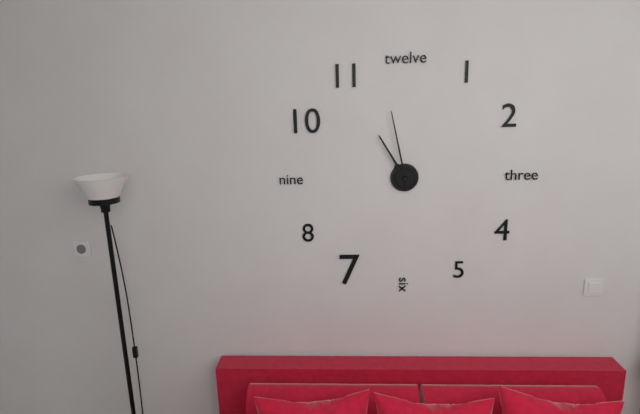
10:58
